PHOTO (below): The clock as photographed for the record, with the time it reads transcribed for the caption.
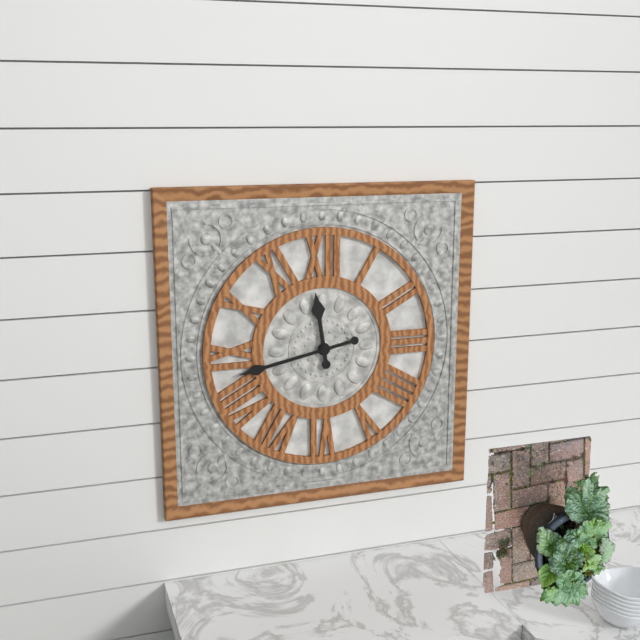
11:43
